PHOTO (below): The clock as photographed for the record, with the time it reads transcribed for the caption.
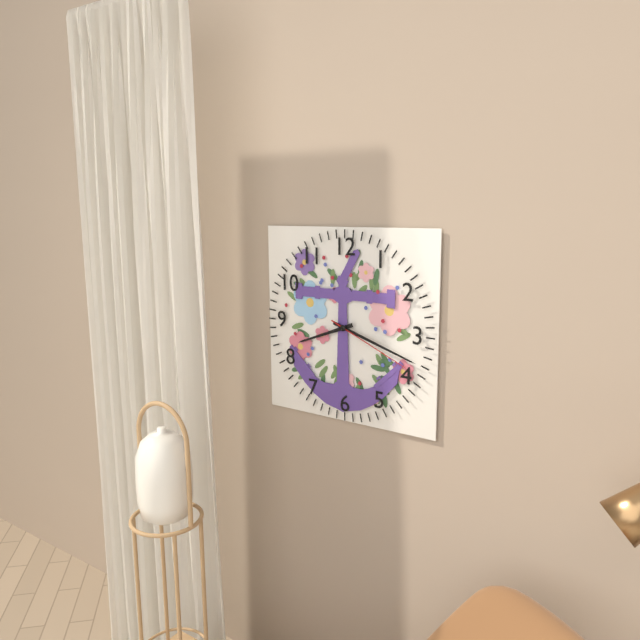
8:18:19
